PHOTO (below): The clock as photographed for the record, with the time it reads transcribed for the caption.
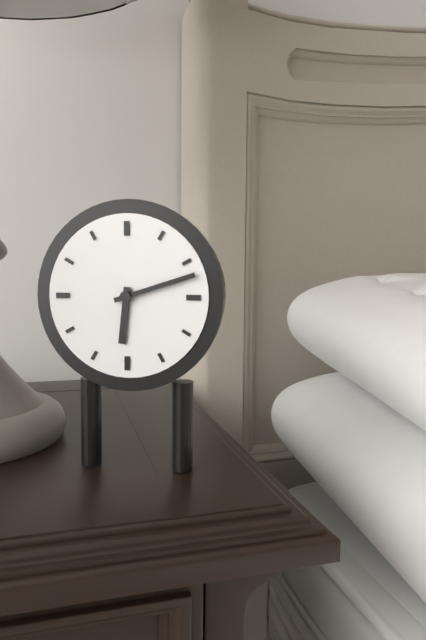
6:12
